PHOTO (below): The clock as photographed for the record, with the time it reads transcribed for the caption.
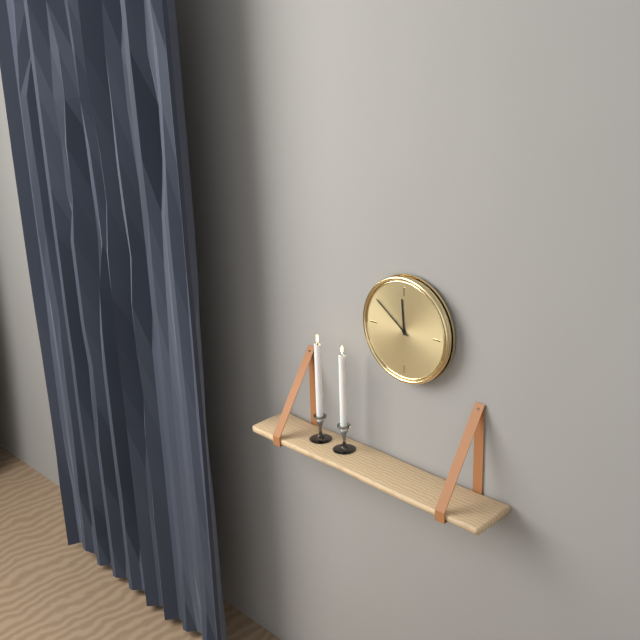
11:51
